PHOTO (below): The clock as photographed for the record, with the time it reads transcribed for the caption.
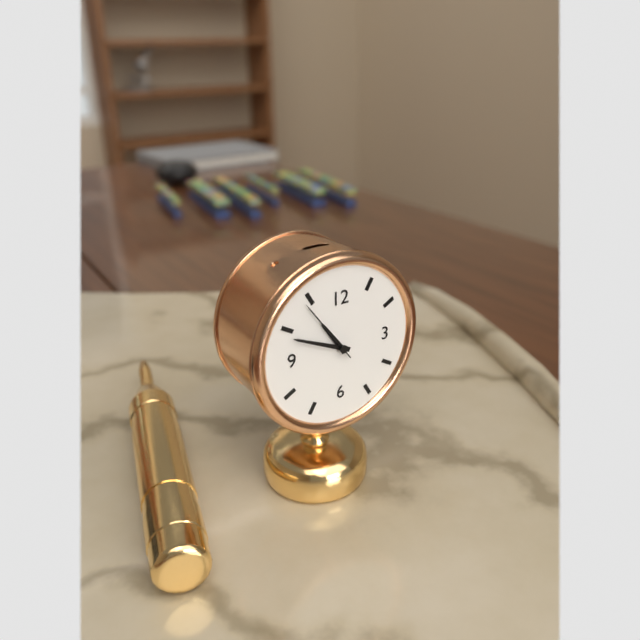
10:49:54
